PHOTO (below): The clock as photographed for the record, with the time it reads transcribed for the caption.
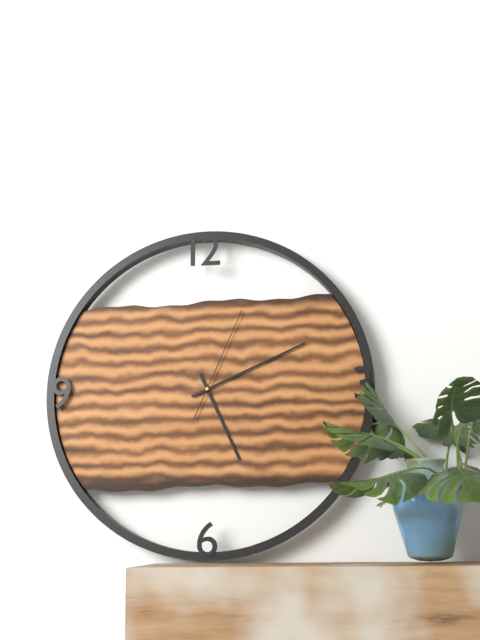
5:11:04
